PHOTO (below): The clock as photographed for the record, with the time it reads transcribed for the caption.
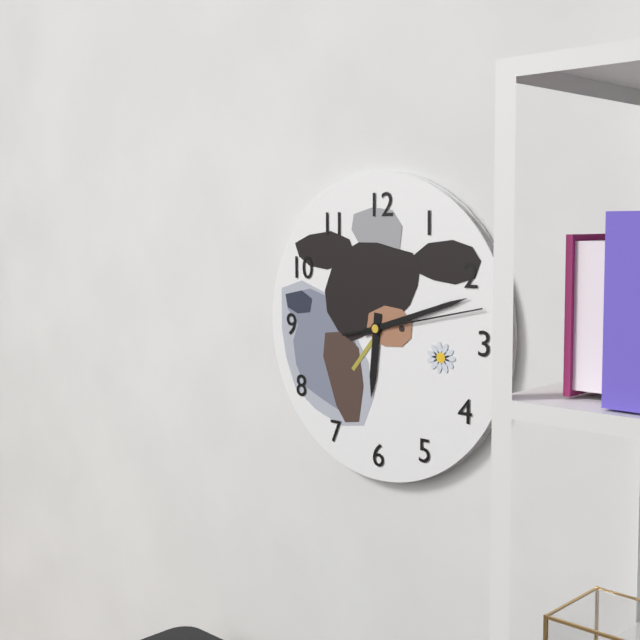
6:12:13
